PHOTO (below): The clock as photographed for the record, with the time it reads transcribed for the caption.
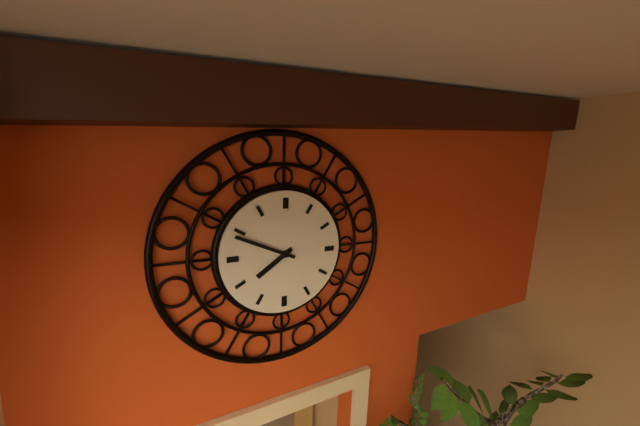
7:49
